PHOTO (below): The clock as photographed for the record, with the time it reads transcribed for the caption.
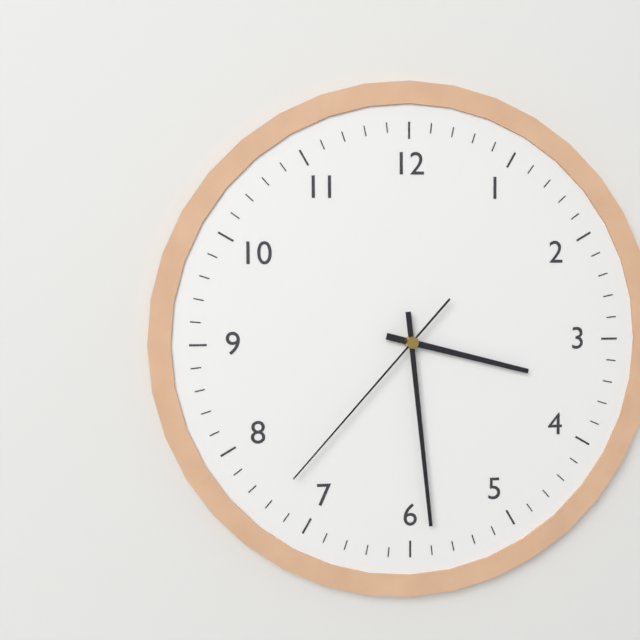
3:29:37
